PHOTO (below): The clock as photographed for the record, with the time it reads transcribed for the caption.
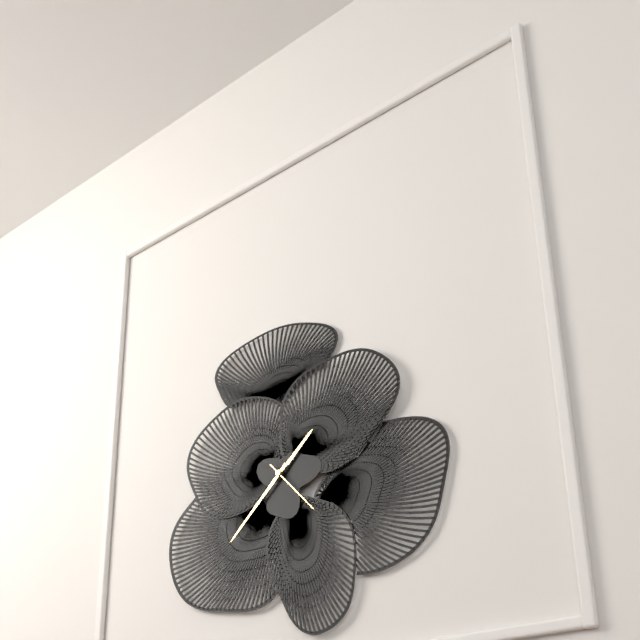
1:38:23
